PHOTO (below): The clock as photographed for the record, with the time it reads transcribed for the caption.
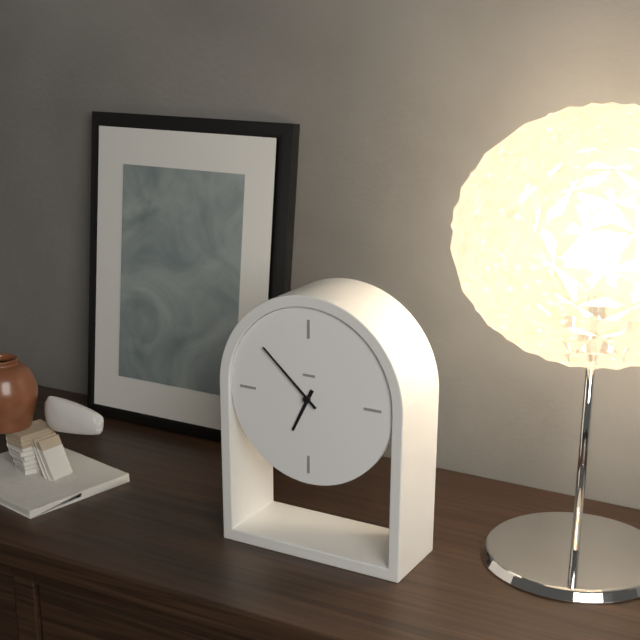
6:52
